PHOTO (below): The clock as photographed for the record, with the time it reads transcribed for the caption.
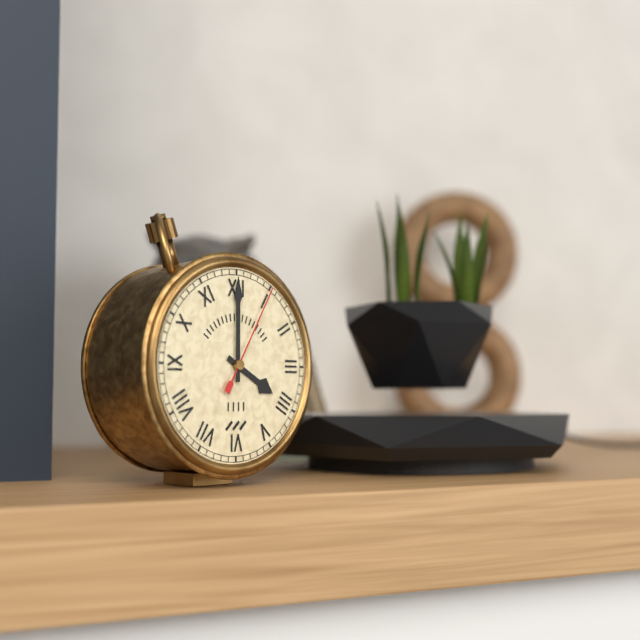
4:00:05
